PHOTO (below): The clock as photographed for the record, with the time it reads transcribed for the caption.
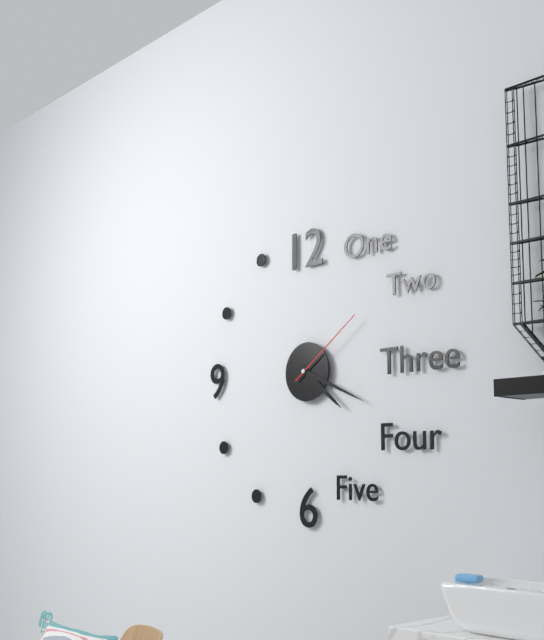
4:19:09
